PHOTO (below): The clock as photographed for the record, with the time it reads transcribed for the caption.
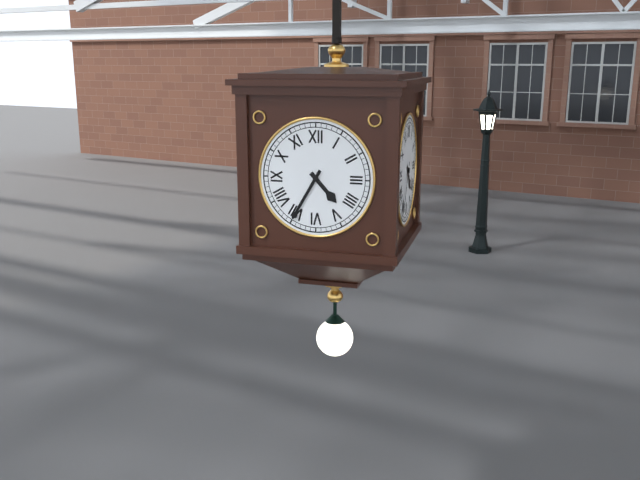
4:35
